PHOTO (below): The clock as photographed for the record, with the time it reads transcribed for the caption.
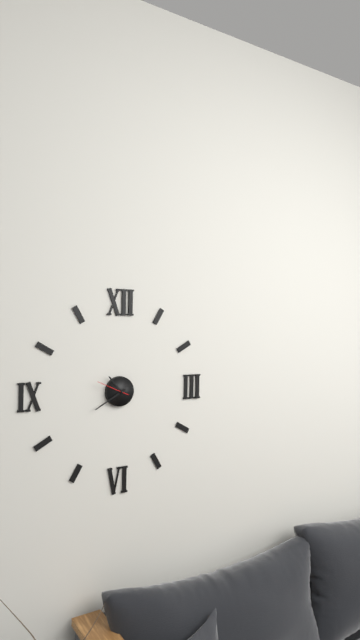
10:40
